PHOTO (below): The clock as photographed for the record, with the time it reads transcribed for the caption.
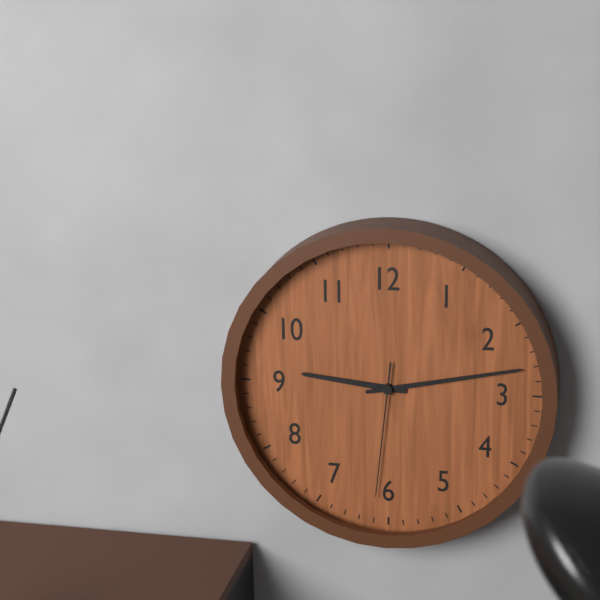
9:13:31
